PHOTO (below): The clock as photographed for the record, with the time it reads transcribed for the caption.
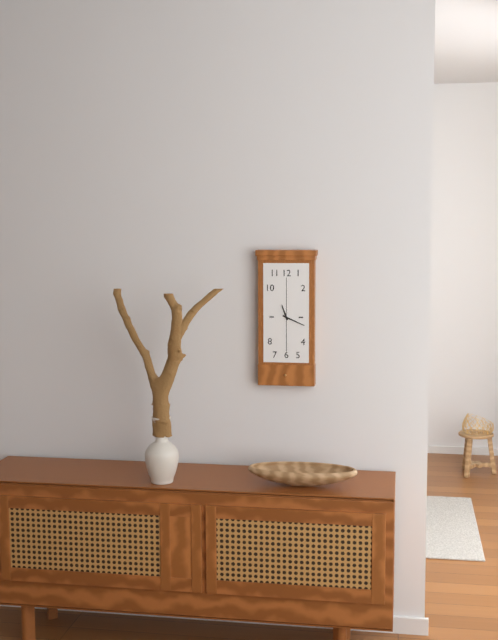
11:19
